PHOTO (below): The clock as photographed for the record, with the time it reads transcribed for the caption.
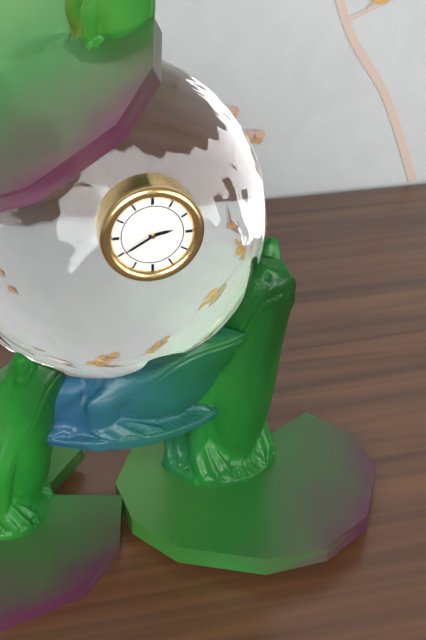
2:40
